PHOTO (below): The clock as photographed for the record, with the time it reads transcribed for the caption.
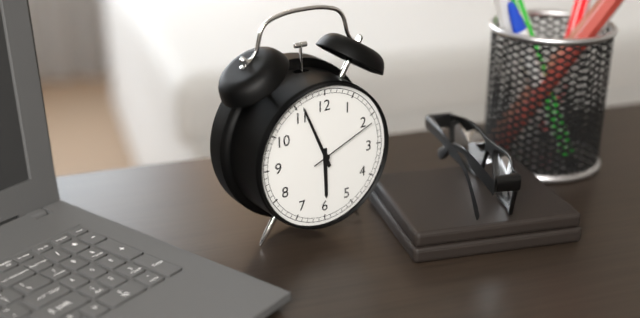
5:56:11
